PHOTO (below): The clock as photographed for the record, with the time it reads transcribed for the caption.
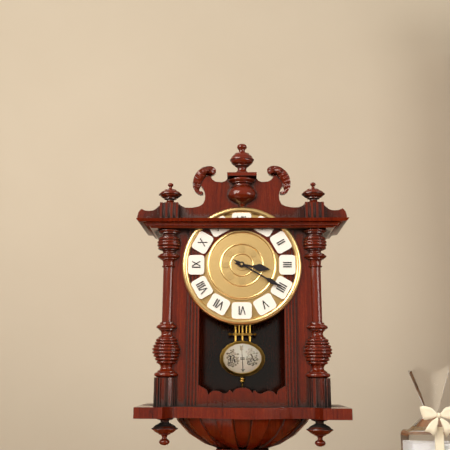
3:20
